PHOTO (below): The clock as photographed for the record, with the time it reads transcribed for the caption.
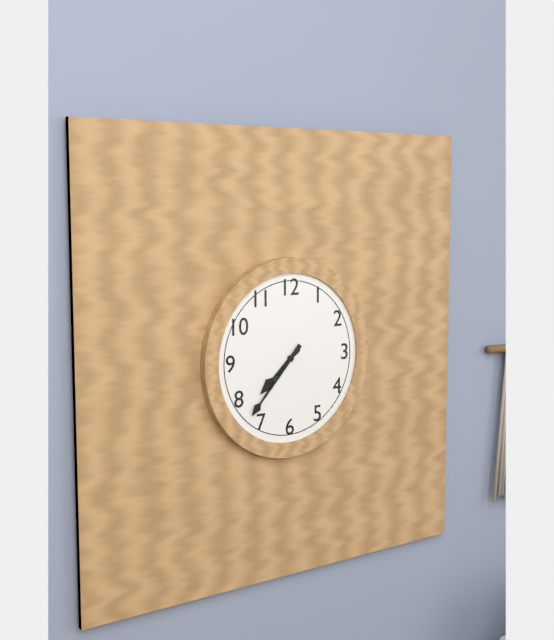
7:37
